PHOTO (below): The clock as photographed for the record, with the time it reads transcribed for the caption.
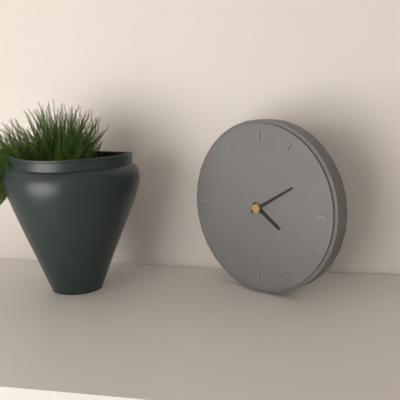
4:10
